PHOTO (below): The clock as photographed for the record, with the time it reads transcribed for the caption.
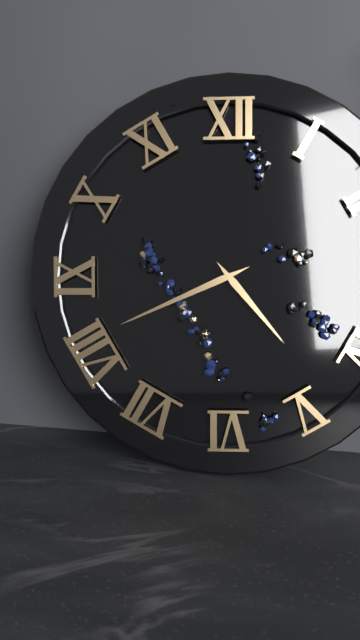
4:41
